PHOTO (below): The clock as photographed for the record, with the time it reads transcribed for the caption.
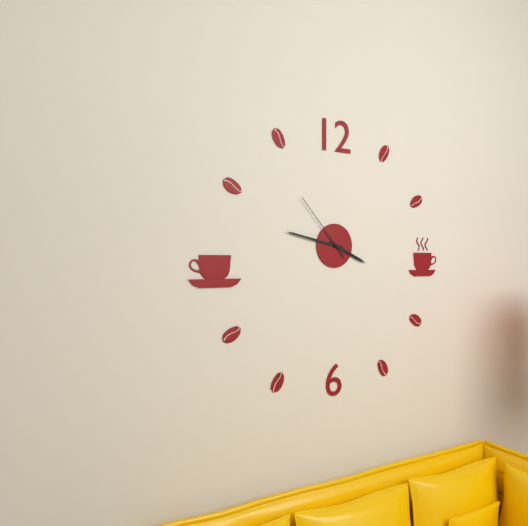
3:47:53
